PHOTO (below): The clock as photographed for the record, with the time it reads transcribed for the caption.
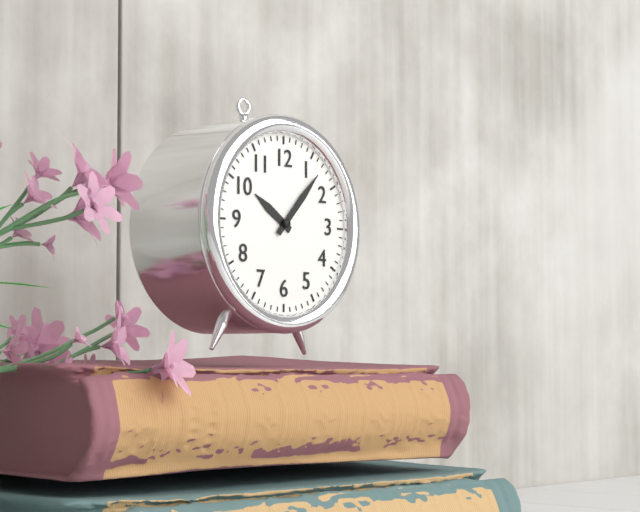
10:07
